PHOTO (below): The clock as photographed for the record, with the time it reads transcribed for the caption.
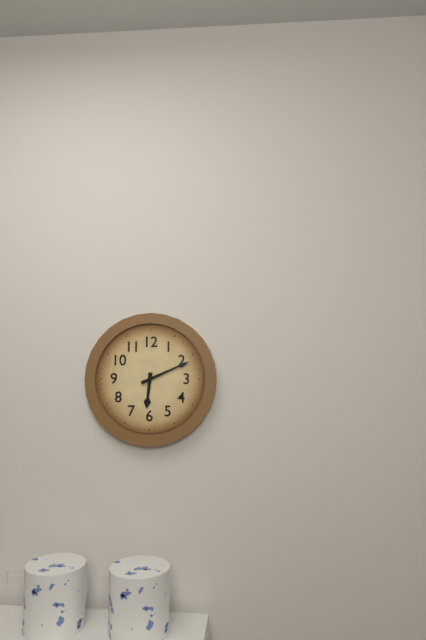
6:11
